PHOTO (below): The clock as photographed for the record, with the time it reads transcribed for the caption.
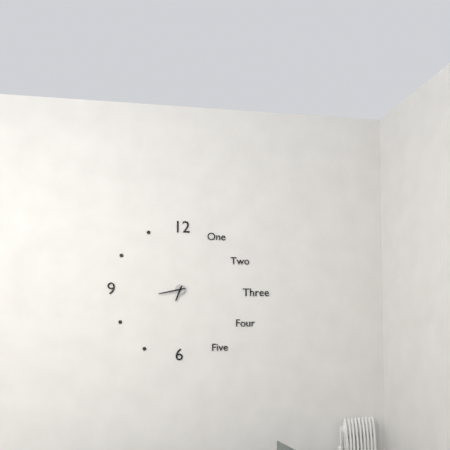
6:43
